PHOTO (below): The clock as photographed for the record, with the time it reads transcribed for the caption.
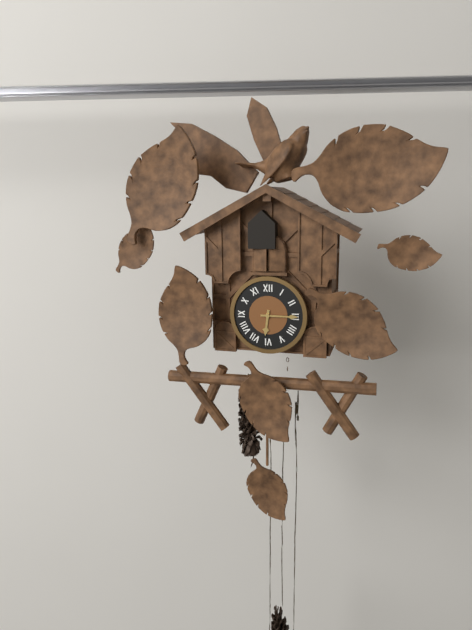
6:15
